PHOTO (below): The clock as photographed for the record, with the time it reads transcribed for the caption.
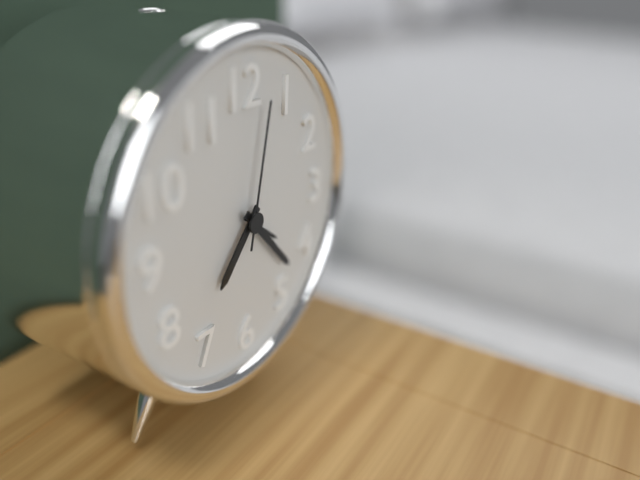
7:23:02
